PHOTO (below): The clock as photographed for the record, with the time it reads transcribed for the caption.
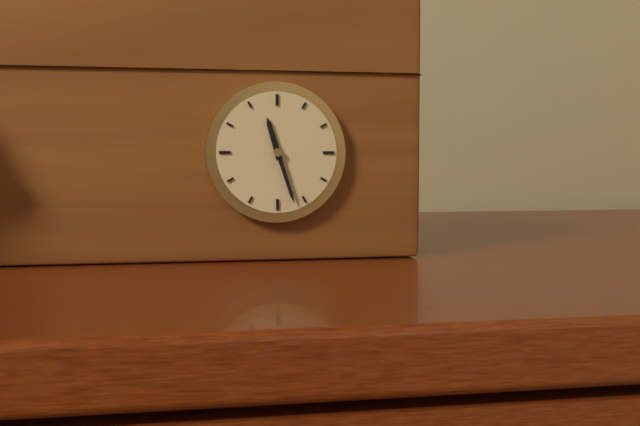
11:27
